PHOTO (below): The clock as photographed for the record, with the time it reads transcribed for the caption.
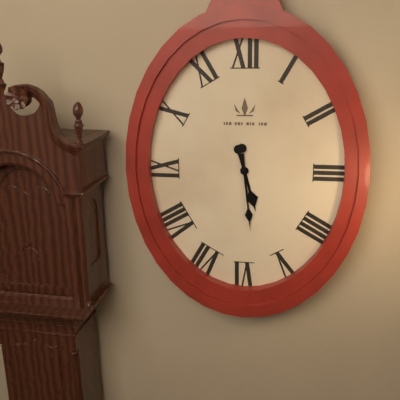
5:29
